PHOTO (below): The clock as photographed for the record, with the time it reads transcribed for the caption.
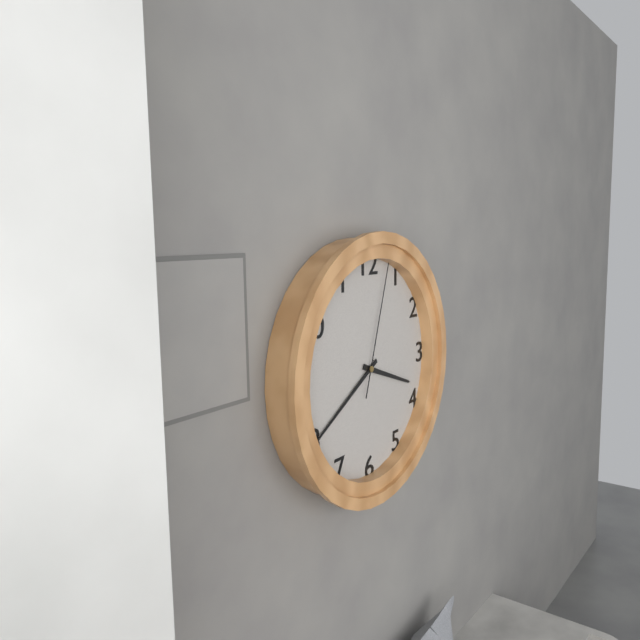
3:40:03
